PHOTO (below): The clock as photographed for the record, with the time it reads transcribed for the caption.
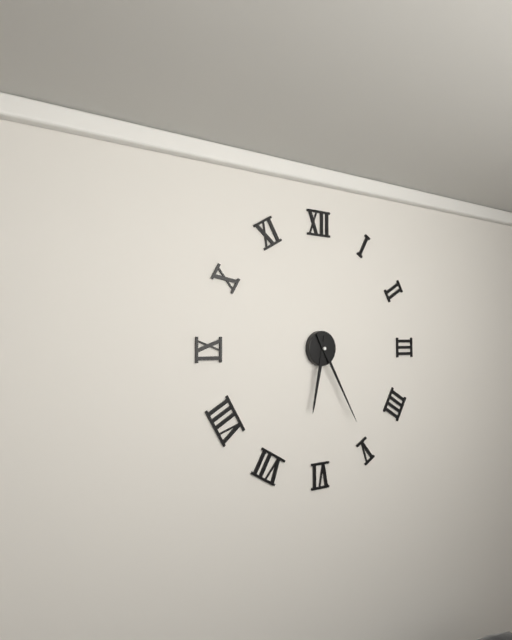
6:25
